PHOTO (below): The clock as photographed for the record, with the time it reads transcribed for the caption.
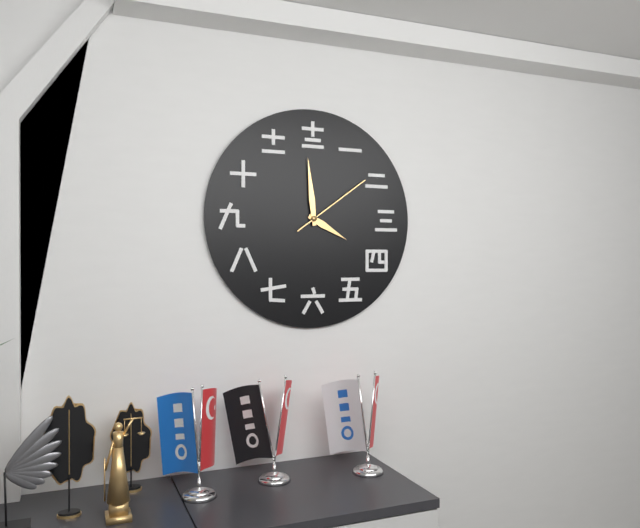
3:59:09
